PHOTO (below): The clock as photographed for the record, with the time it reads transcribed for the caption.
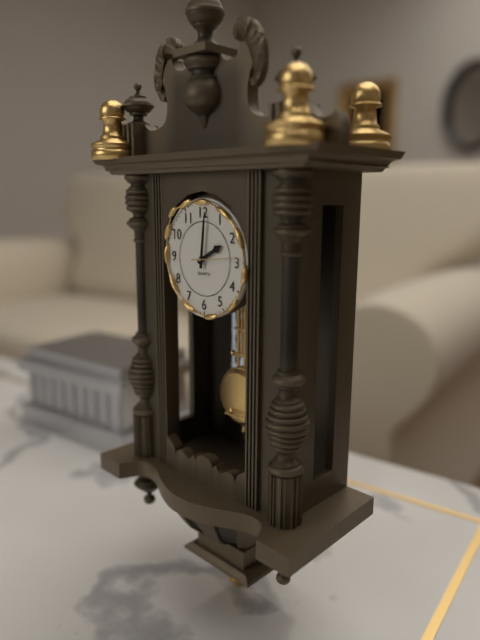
2:01
